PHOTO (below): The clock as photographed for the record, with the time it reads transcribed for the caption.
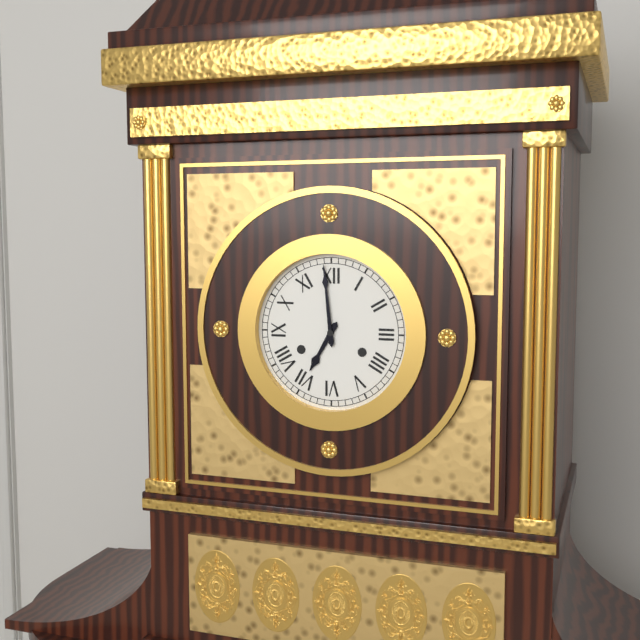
6:59
